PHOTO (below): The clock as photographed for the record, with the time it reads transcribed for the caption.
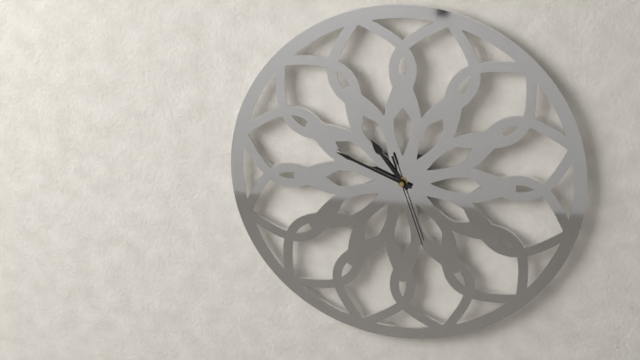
10:49:27
